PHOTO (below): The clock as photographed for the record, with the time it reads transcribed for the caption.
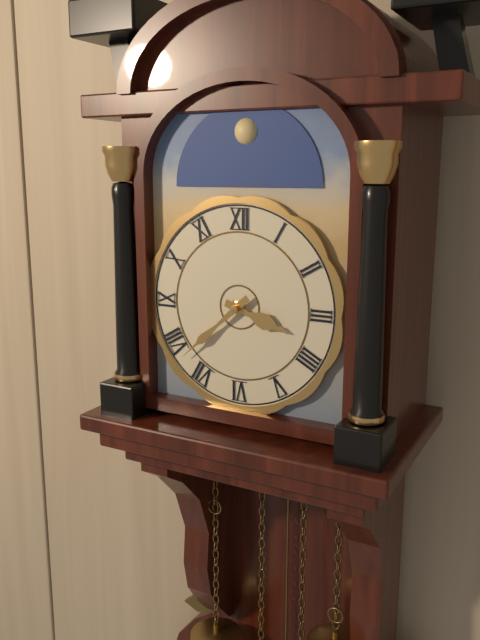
3:38
